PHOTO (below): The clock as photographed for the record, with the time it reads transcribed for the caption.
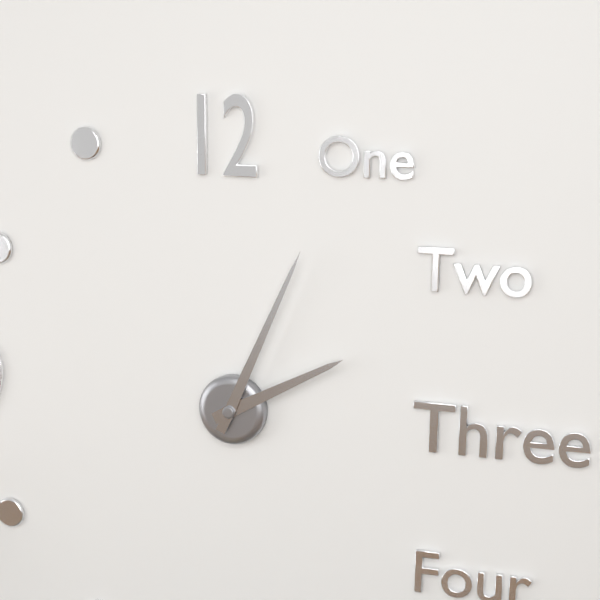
2:04
